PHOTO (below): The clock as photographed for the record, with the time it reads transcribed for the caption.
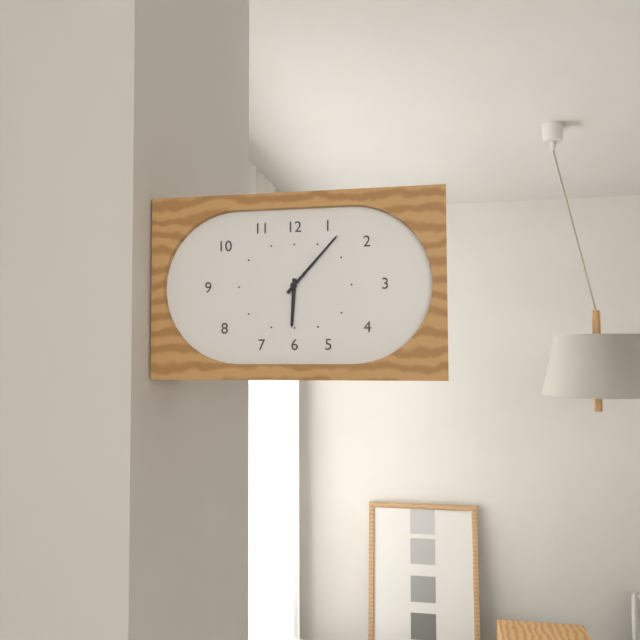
6:07
